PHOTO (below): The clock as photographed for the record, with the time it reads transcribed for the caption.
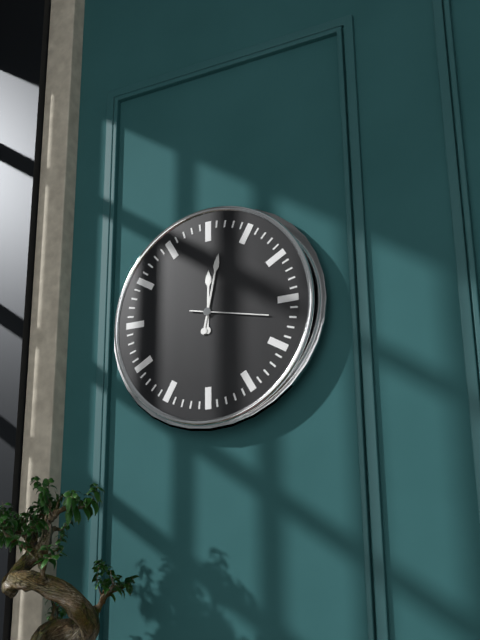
12:02:17
